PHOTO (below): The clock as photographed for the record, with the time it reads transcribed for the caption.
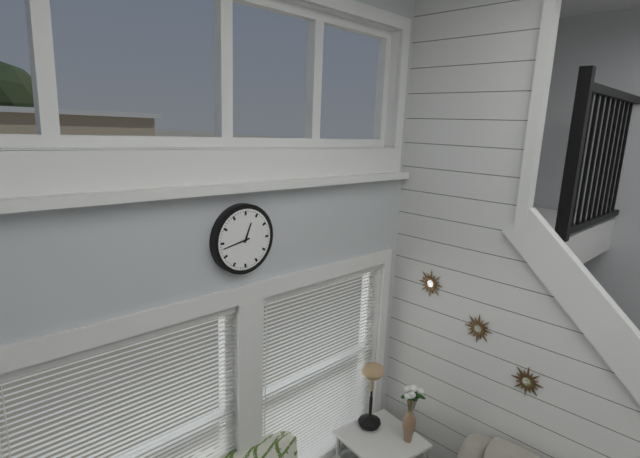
12:43
